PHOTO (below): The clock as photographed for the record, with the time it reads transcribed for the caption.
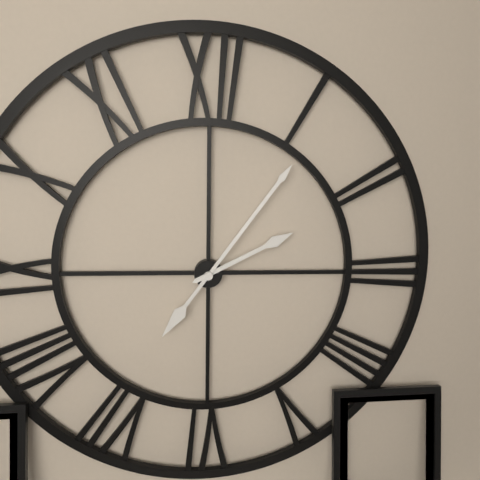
2:06
